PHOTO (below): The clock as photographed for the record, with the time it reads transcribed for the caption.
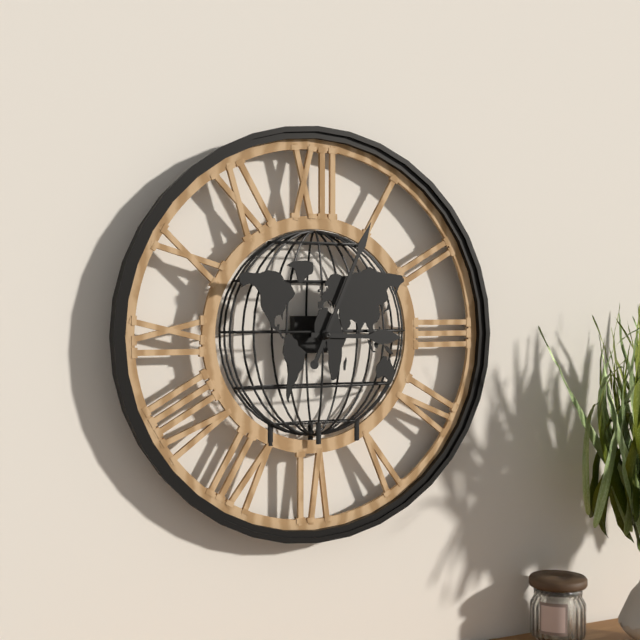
3:04
